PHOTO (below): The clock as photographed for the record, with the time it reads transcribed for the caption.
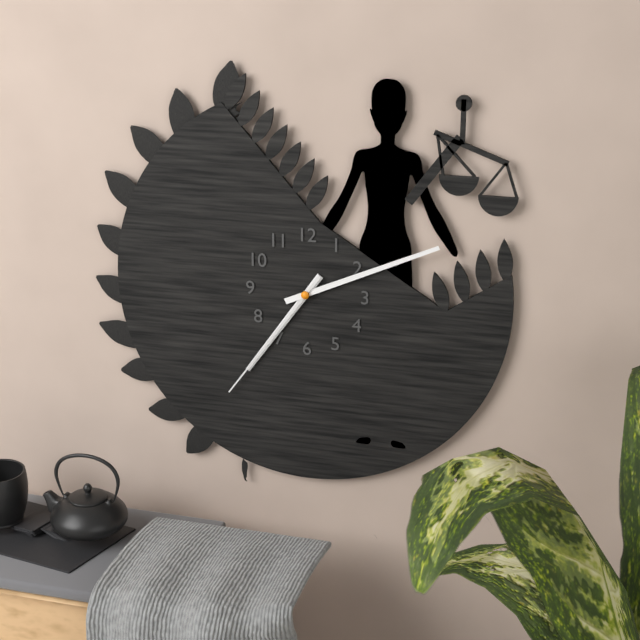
7:11:36
